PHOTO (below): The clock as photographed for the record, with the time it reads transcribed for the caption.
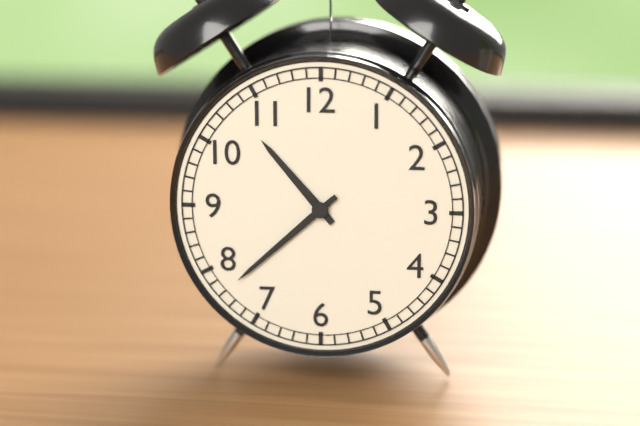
10:38
